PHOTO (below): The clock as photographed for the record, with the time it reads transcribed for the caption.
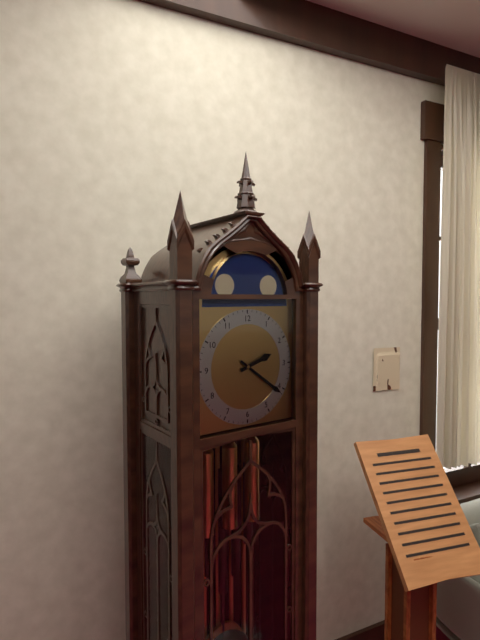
2:21
